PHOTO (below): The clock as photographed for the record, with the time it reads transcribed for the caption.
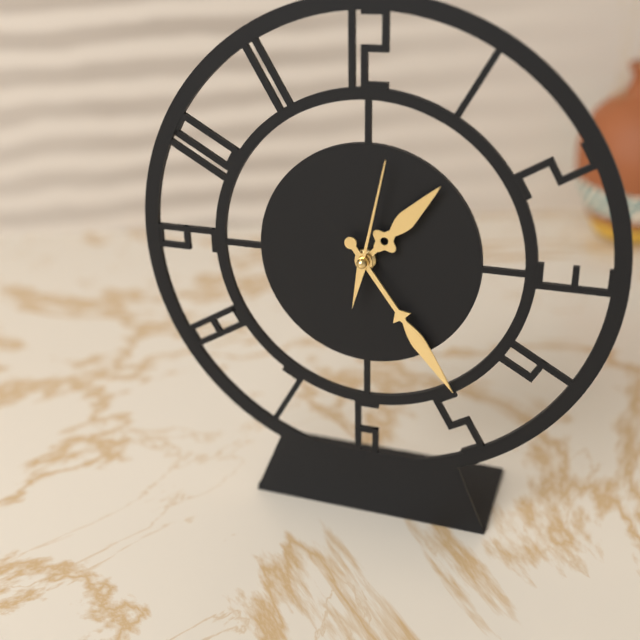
1:24:02
